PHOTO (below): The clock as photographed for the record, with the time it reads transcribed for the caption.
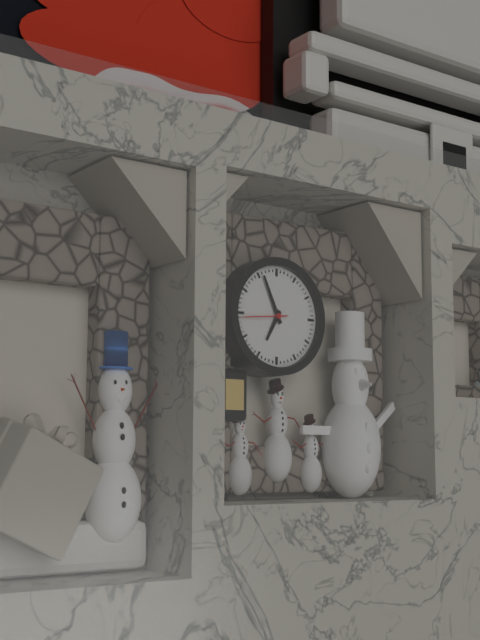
6:56
